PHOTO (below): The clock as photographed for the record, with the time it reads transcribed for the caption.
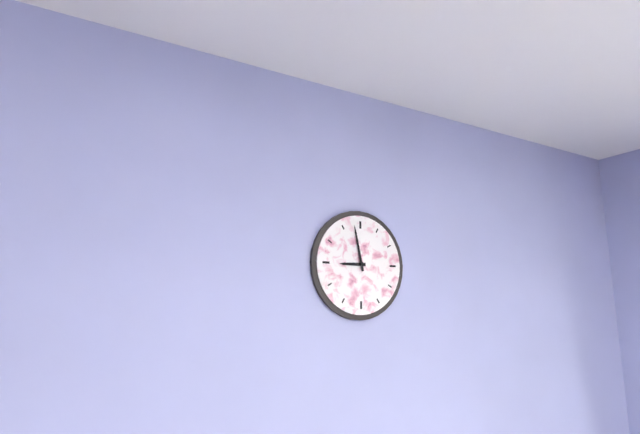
8:58
